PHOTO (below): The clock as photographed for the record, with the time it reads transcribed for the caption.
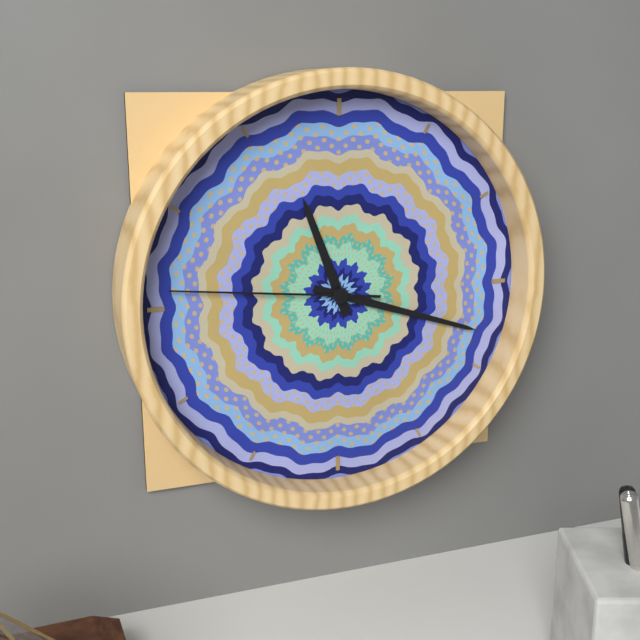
11:18:46
